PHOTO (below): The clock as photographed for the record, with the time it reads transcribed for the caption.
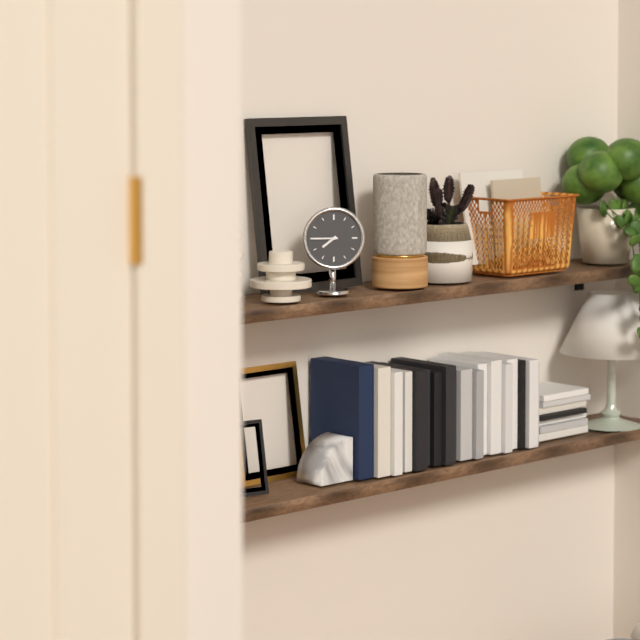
7:45
